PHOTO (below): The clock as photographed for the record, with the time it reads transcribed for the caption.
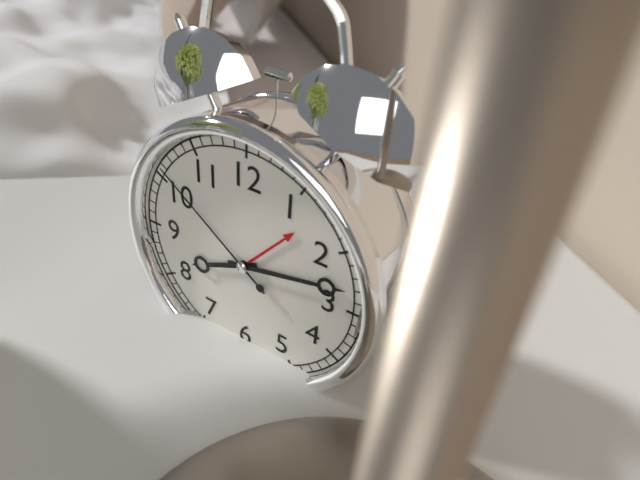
8:13:51
